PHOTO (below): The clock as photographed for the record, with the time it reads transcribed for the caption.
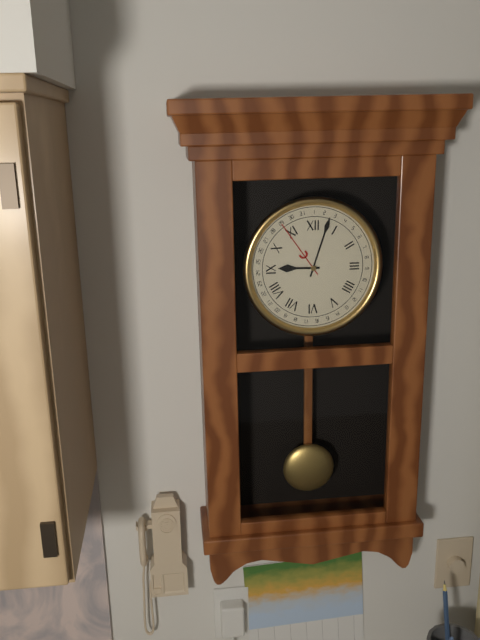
9:03
